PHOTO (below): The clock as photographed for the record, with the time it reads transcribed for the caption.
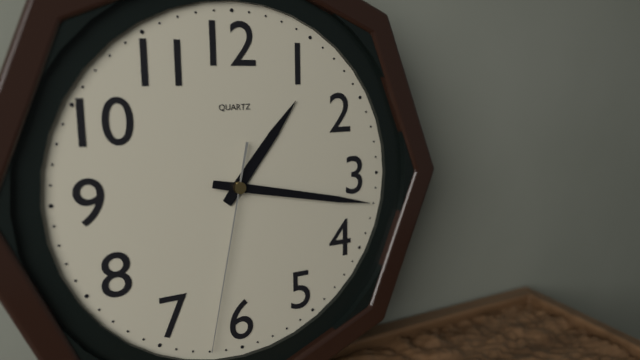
1:17:32
